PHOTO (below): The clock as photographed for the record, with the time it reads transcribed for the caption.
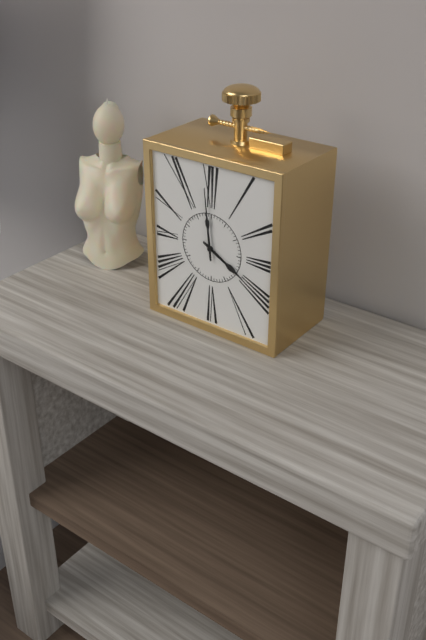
3:59
